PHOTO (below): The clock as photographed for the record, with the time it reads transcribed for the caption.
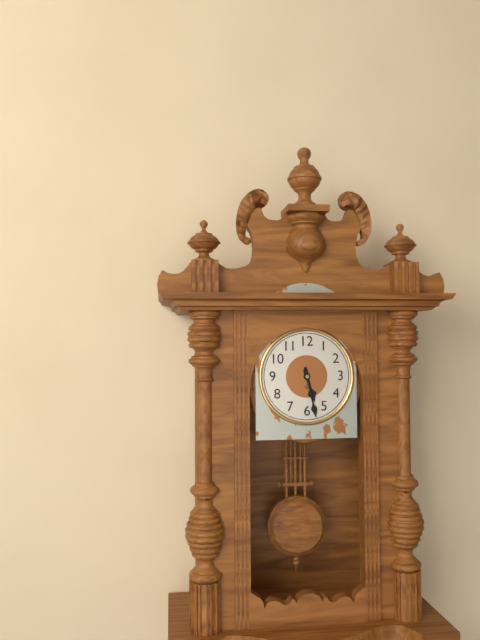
5:28
